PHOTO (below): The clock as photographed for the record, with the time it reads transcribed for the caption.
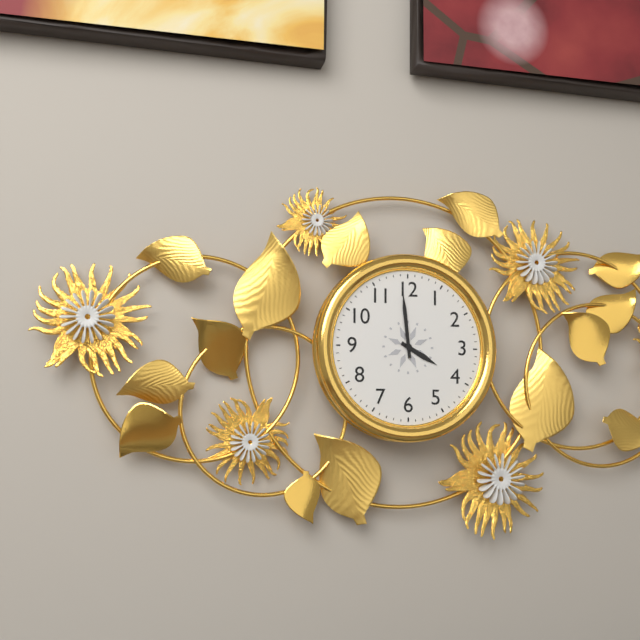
3:59
